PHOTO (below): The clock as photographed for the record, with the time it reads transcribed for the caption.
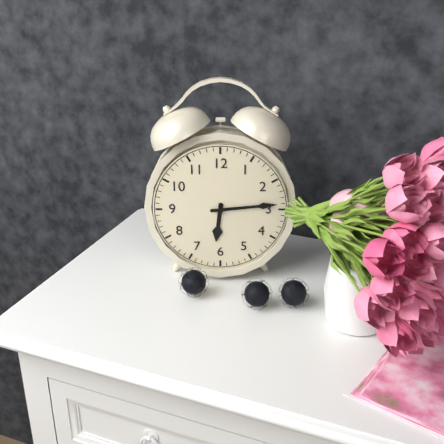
6:14
